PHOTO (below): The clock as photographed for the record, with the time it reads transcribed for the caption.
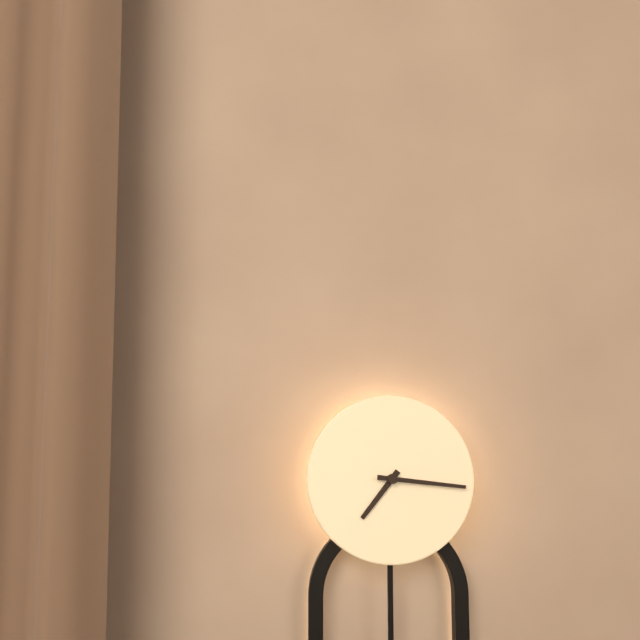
7:16
